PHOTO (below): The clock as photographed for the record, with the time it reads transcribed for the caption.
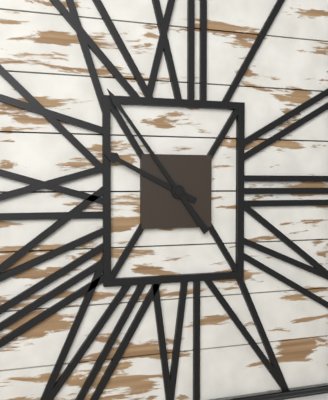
9:54
